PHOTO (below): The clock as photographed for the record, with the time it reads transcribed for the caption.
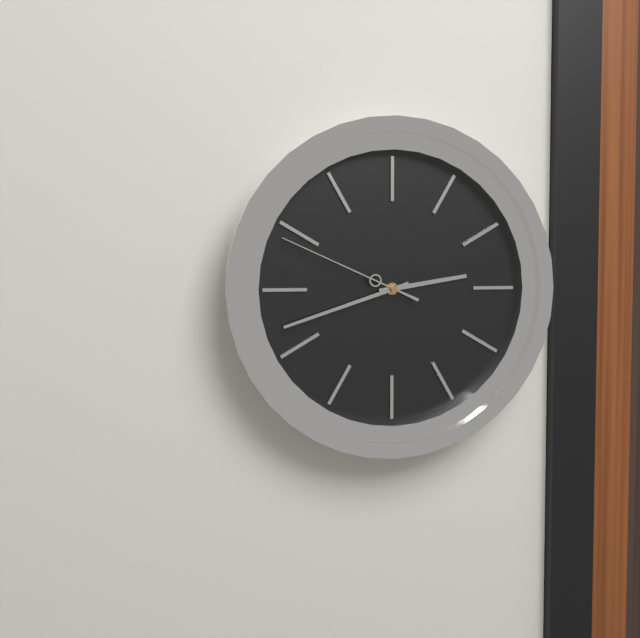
2:42:49
